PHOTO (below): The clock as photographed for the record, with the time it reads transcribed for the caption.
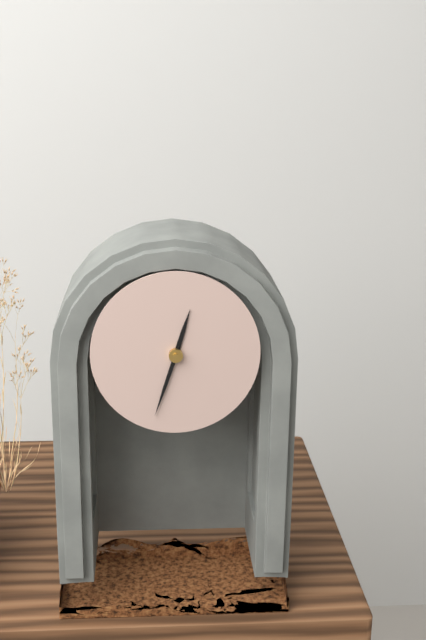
12:33
